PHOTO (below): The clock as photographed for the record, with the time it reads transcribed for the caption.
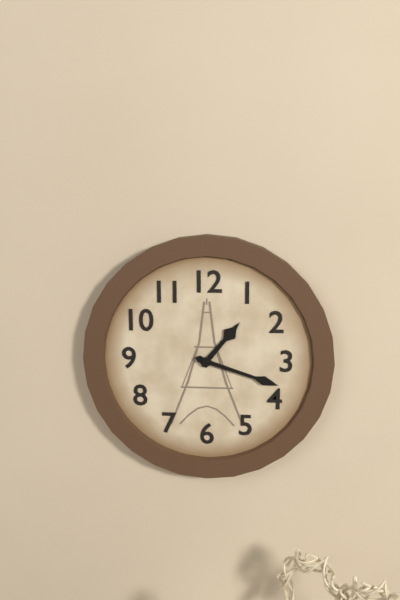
1:18
